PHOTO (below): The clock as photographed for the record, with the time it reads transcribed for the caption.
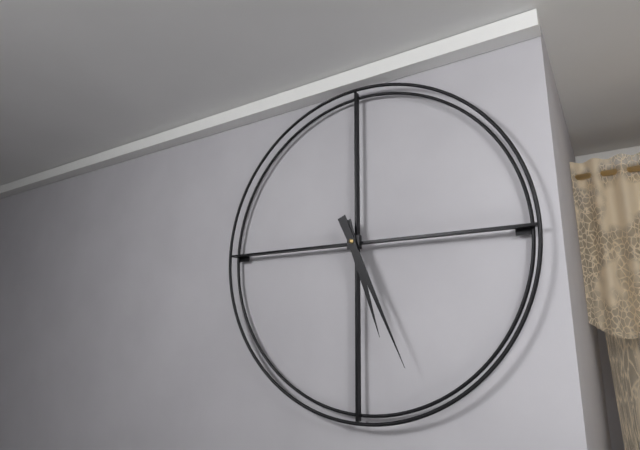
5:26
